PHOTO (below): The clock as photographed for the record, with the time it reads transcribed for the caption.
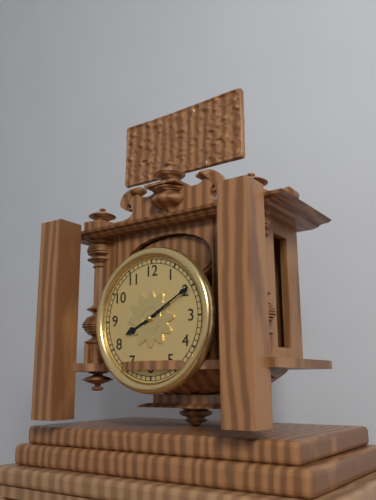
8:10
